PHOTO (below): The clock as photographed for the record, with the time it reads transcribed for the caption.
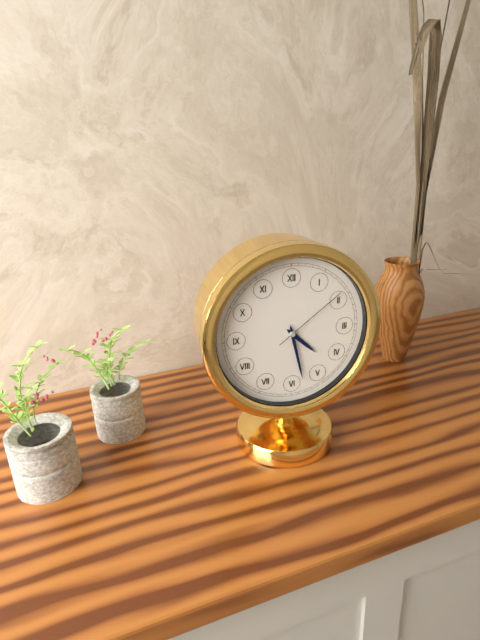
4:28:09
